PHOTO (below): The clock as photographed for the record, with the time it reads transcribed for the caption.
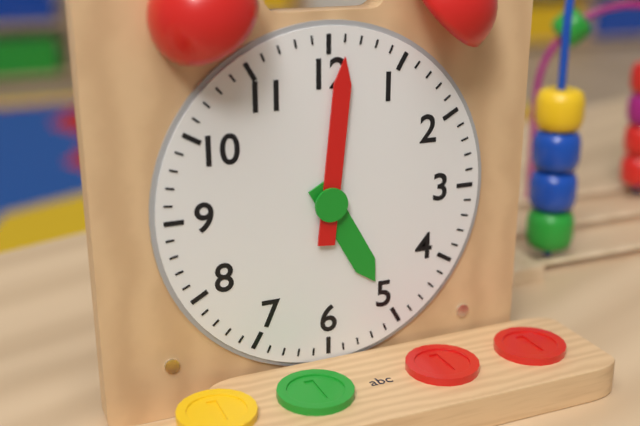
5:01
